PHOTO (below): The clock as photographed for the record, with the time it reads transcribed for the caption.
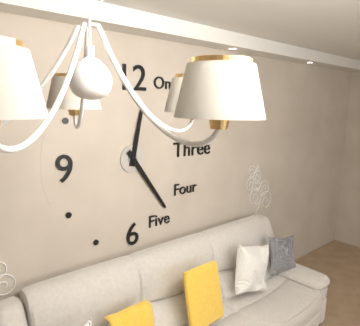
12:24
